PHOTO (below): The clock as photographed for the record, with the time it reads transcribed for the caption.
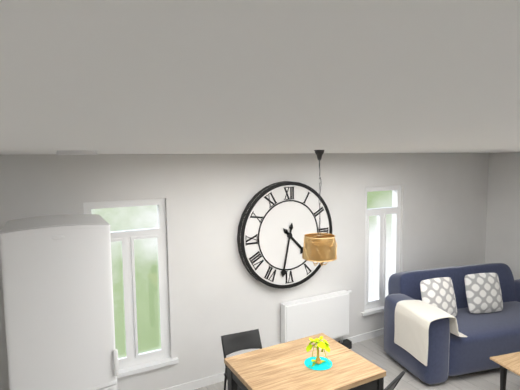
4:32
